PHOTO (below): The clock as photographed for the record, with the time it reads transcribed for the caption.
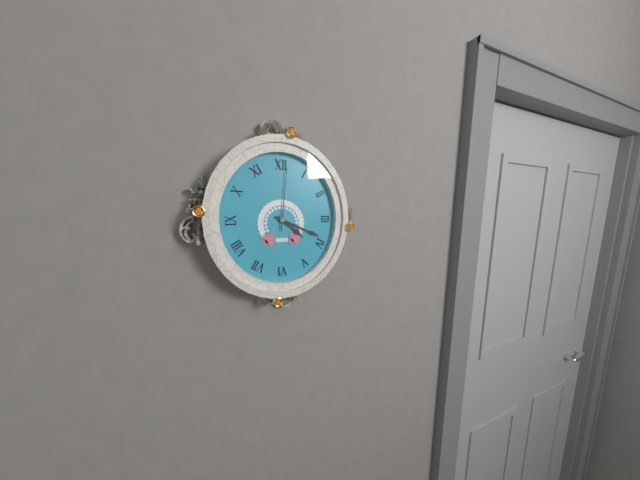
4:19:01
